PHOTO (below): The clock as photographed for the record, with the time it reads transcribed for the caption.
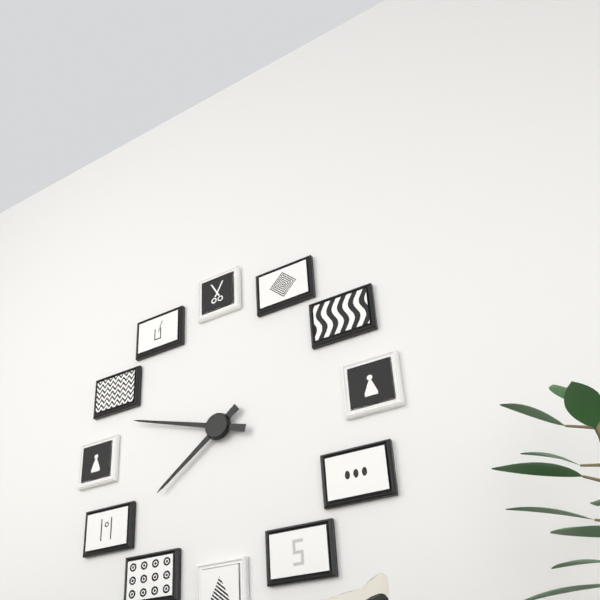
7:48
